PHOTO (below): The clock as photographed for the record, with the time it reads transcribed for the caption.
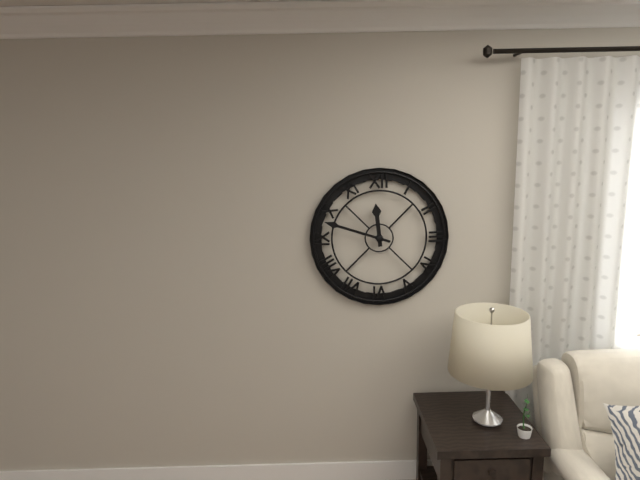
11:48
